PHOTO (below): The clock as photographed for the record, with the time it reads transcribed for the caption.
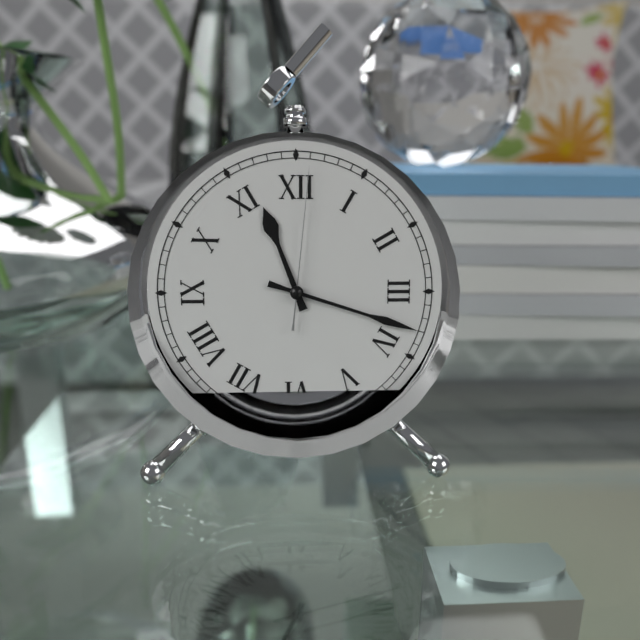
11:18:01
